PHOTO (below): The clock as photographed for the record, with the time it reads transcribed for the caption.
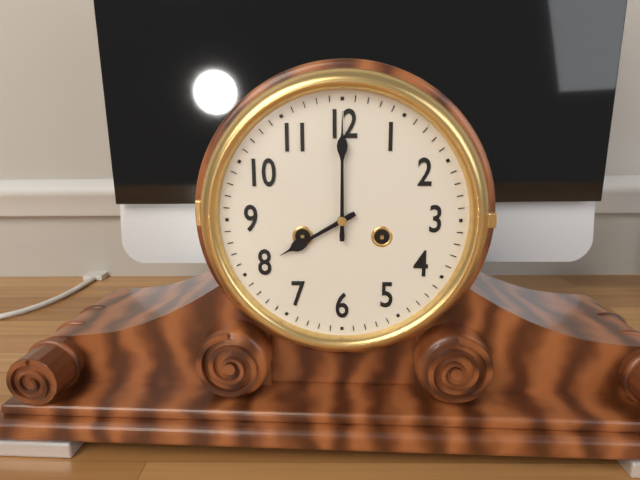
8:00
